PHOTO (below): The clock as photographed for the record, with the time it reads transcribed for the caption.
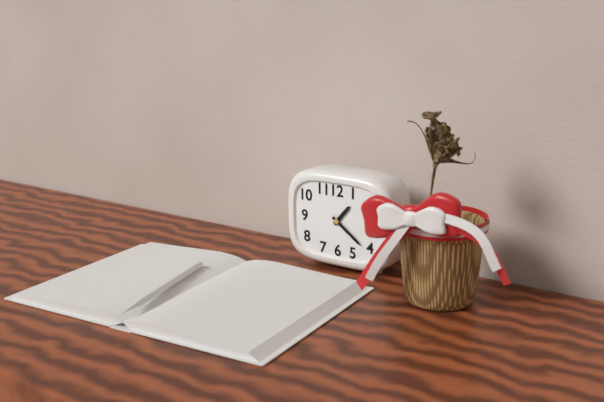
1:21
